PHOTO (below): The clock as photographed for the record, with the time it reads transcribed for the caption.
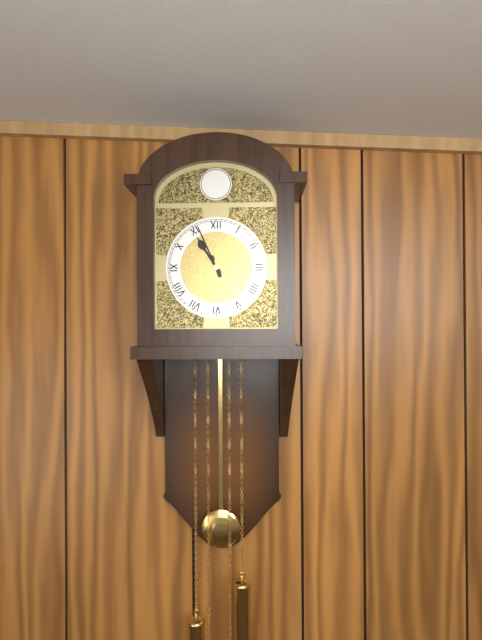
10:56
